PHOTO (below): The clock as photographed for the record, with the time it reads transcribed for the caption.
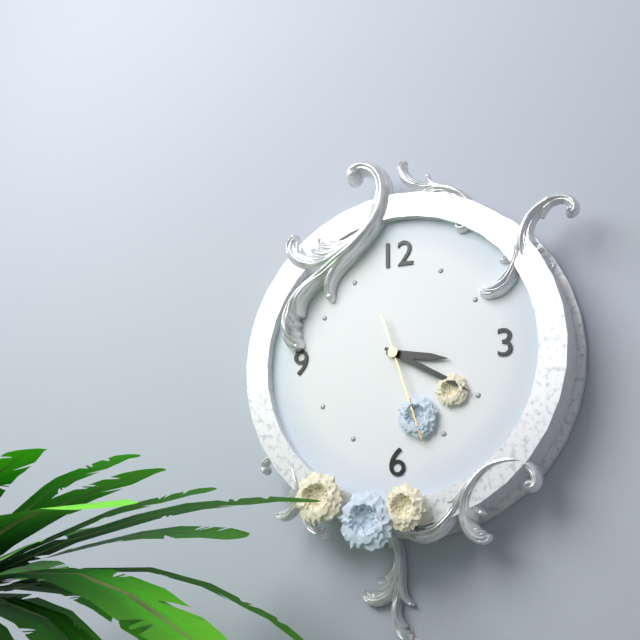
3:20:27
